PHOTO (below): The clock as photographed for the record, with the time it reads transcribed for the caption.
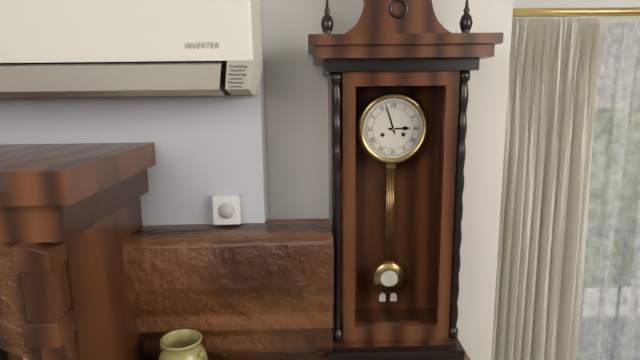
2:57
